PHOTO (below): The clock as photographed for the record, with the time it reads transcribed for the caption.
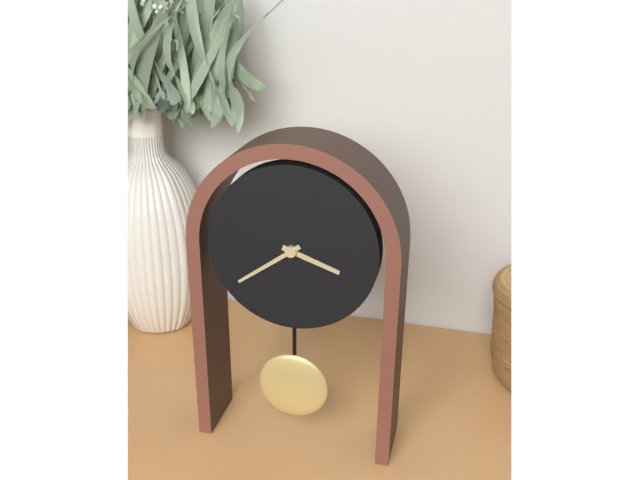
3:39
